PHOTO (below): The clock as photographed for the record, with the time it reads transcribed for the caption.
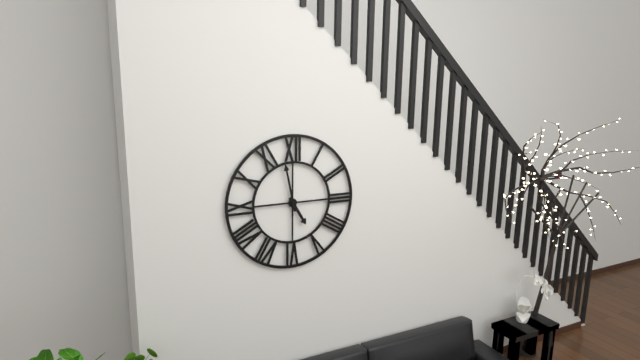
4:58
